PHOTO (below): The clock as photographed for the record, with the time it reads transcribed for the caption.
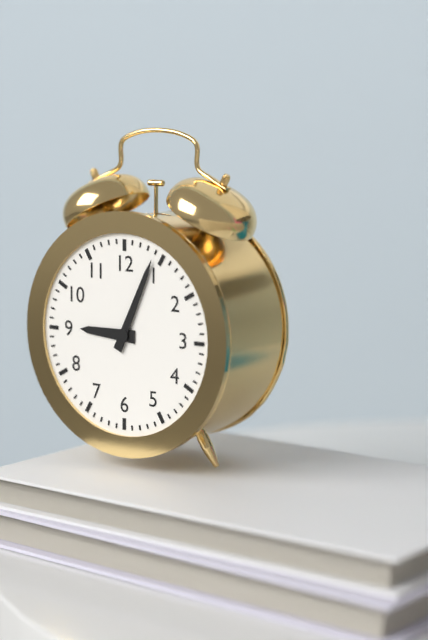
9:04
